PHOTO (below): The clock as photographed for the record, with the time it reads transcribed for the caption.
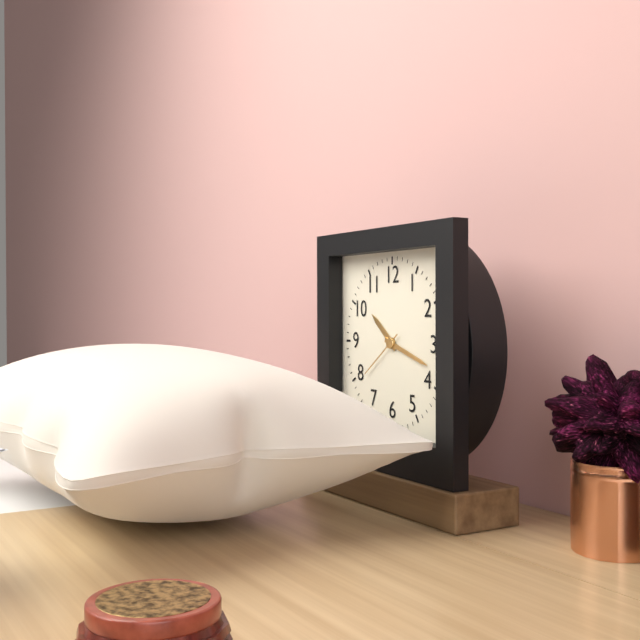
10:18
